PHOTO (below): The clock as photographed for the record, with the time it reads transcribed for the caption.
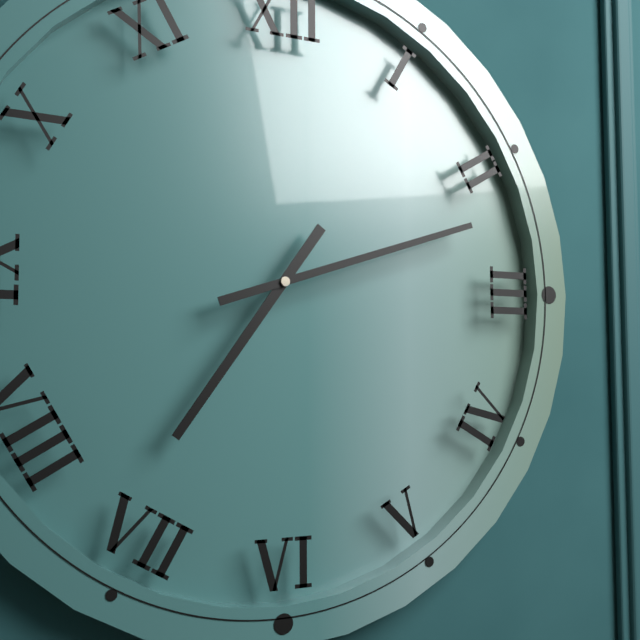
7:12
